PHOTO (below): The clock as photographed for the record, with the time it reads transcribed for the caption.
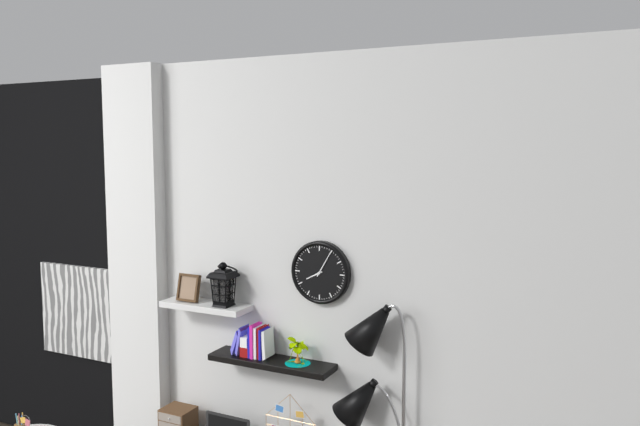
8:05
